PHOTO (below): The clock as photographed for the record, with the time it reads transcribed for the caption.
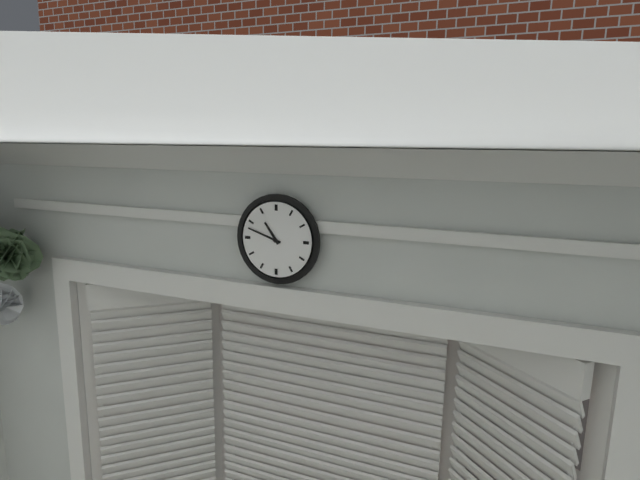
10:48
